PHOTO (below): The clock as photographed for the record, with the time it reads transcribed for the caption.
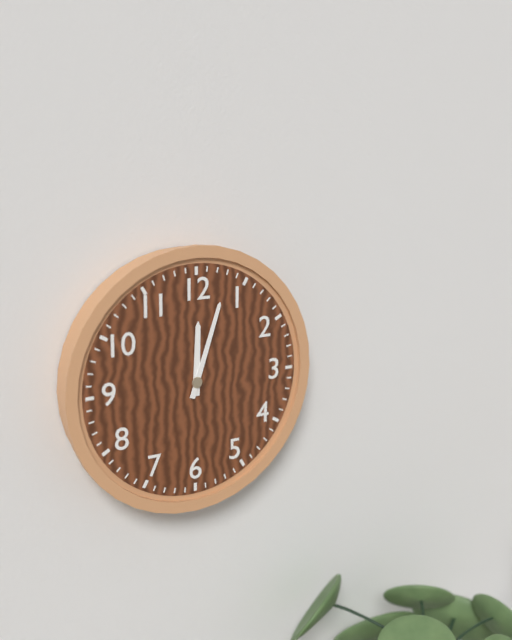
12:03
